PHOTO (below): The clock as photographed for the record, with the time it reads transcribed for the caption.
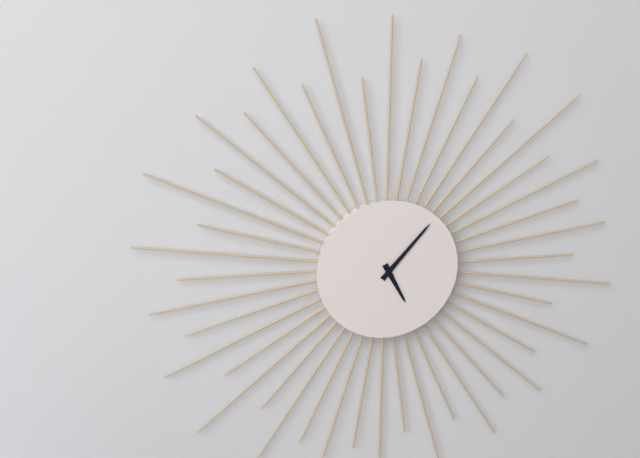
5:07
